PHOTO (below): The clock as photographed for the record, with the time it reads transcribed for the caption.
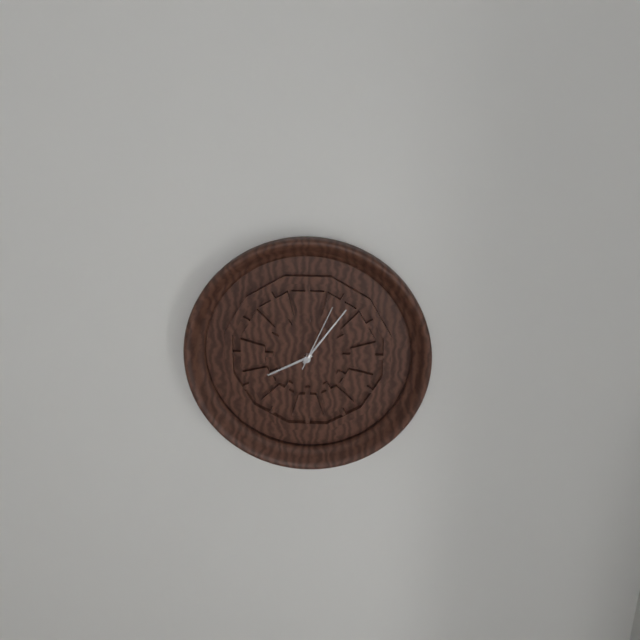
8:06:04
